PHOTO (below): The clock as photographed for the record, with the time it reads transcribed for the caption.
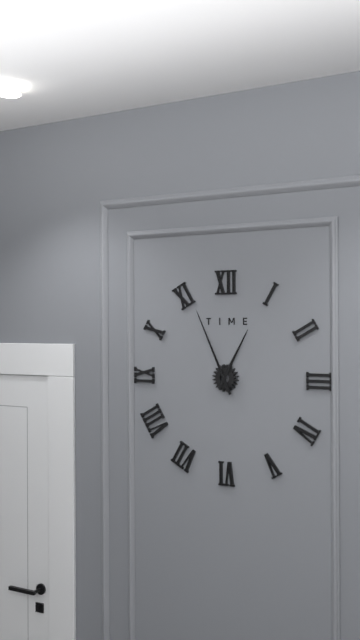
12:56
